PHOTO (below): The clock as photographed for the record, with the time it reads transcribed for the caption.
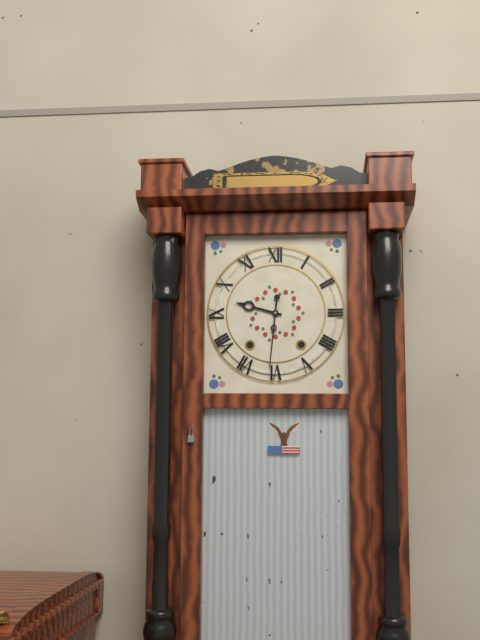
9:31
